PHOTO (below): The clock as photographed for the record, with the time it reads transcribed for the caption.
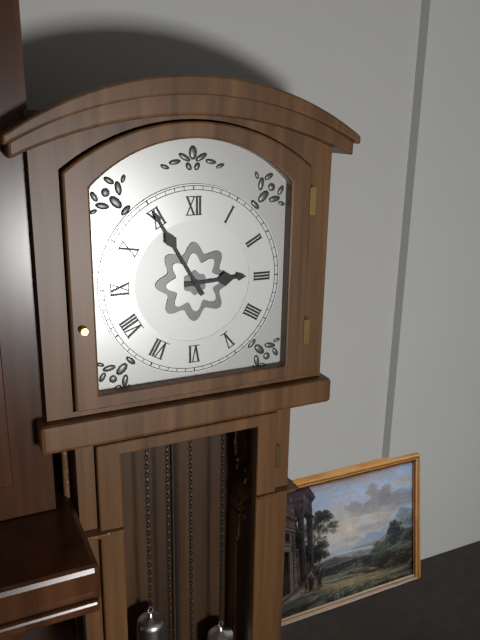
2:55
